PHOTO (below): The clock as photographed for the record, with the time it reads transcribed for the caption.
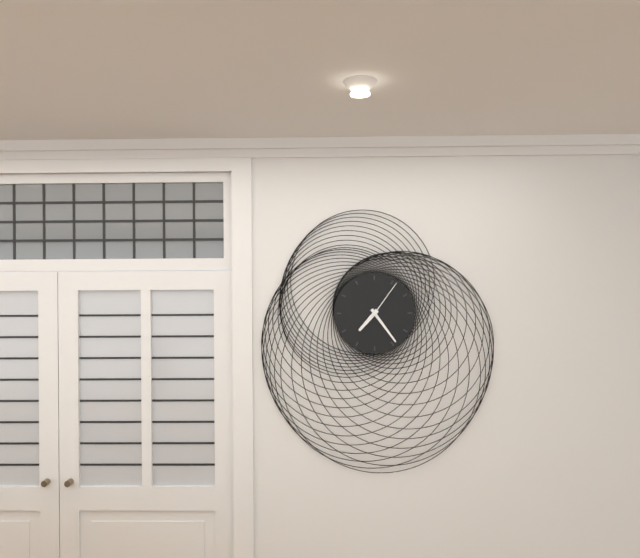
7:24
